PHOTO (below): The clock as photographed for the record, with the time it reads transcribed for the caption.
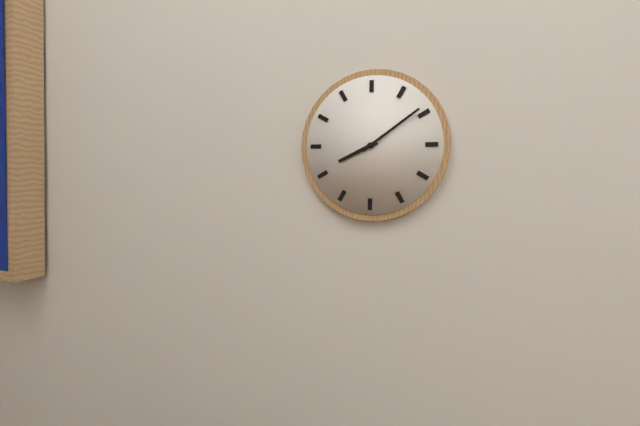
8:09
